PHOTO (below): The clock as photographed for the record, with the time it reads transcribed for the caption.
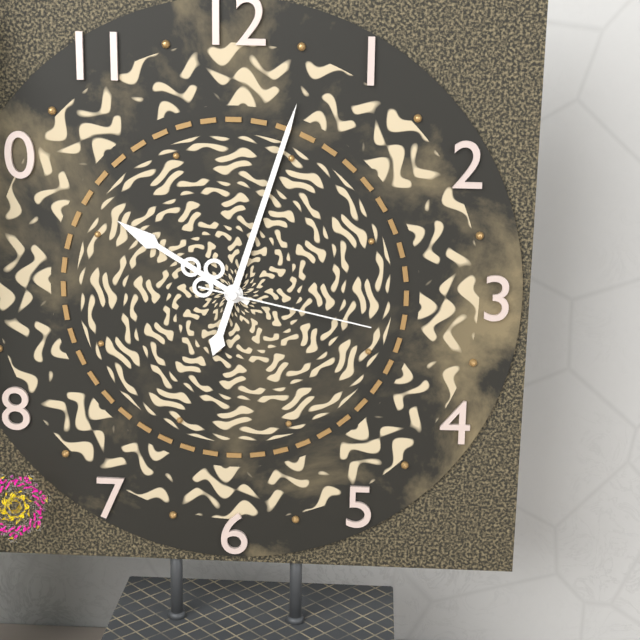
10:03:17
